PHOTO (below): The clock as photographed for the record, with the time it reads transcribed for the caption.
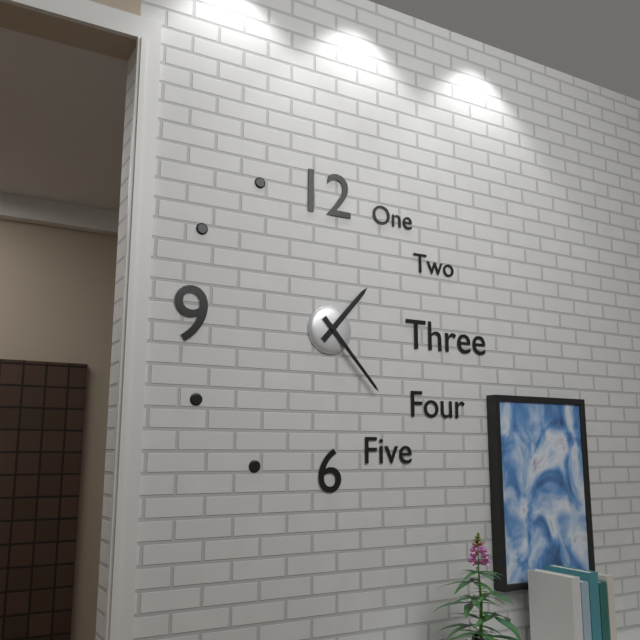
1:23
